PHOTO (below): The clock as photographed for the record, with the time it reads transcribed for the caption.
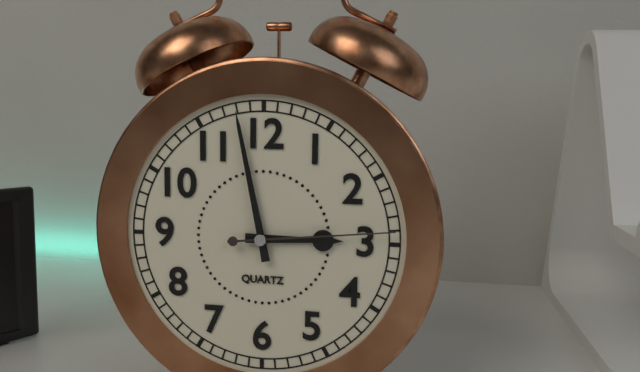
2:58:14
